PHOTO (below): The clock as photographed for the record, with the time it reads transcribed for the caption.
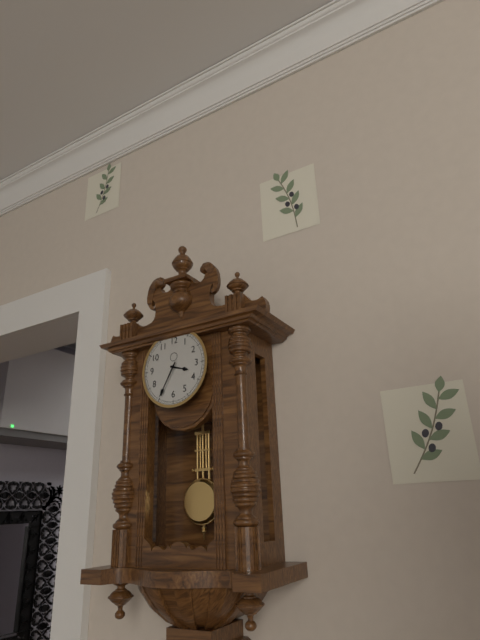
3:35
